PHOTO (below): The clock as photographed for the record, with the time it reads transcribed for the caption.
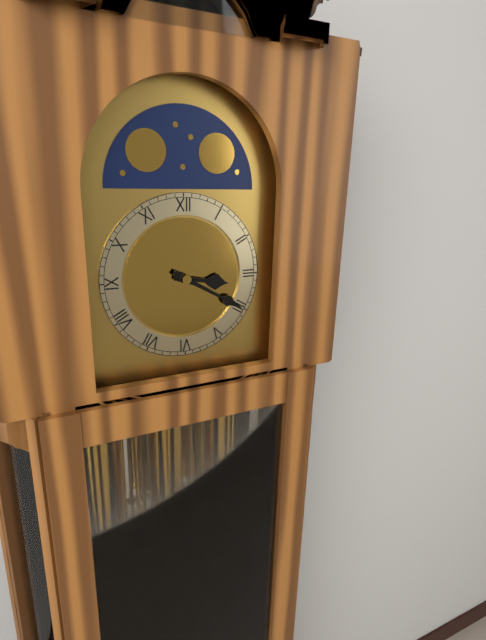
3:20
